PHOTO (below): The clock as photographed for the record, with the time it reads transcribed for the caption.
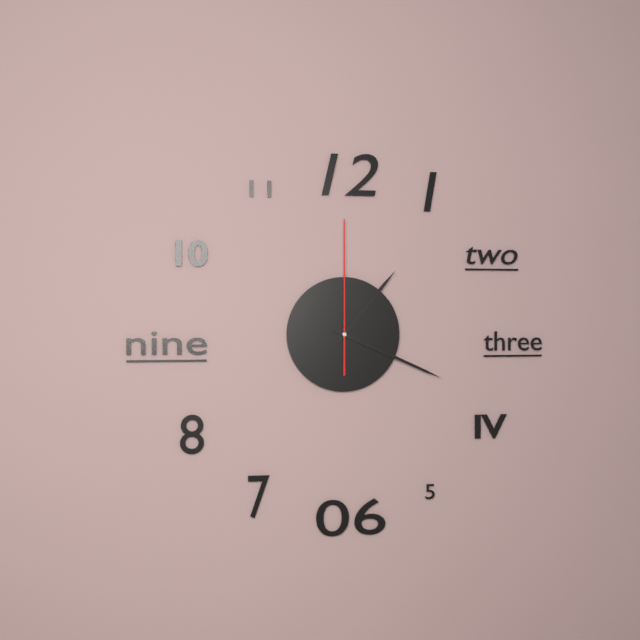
1:19:00
